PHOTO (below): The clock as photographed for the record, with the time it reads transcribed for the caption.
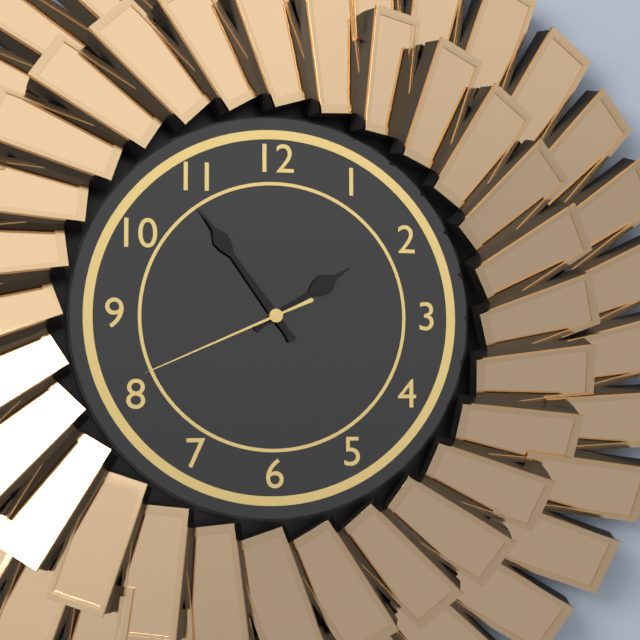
1:54:41
